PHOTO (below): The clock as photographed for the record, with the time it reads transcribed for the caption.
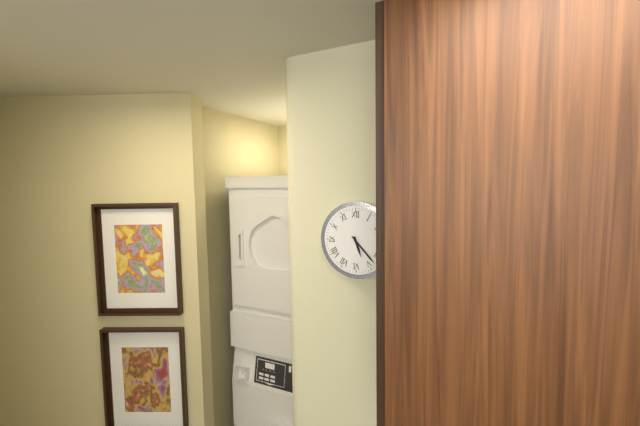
5:23
